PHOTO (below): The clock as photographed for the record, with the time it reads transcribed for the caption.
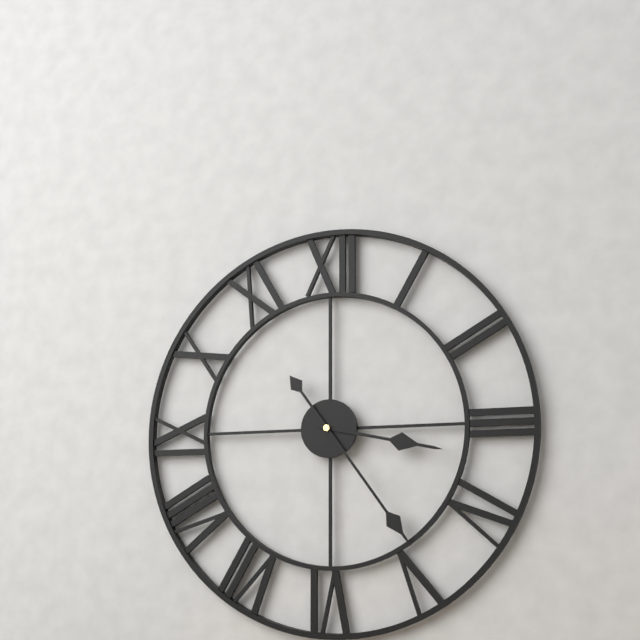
3:24
